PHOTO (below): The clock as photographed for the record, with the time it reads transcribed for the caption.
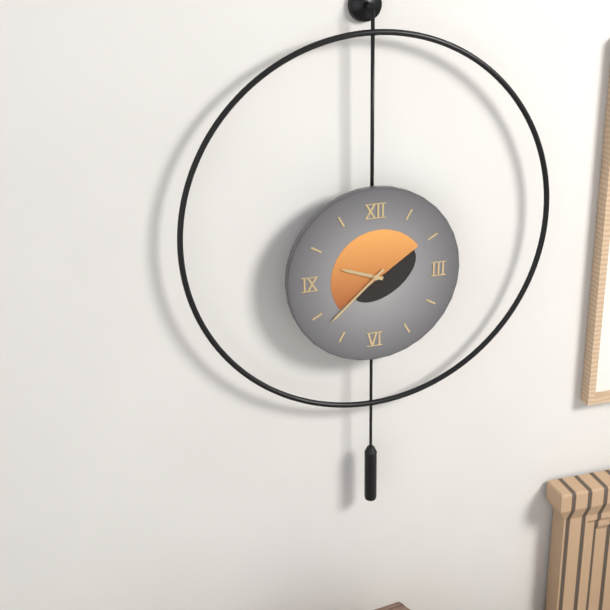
9:38
